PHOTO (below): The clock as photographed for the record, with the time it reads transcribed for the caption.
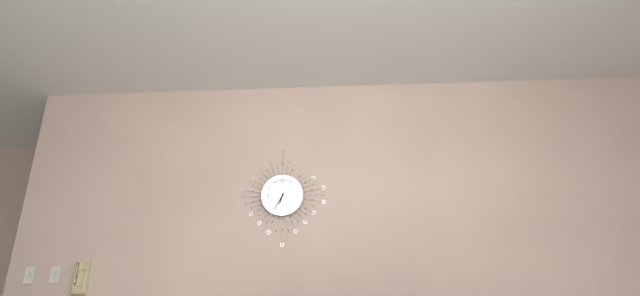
6:35
